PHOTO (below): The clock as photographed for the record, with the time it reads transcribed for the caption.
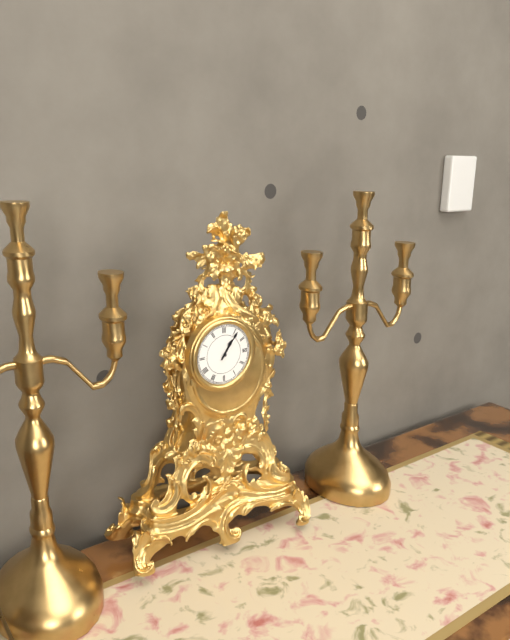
1:06
